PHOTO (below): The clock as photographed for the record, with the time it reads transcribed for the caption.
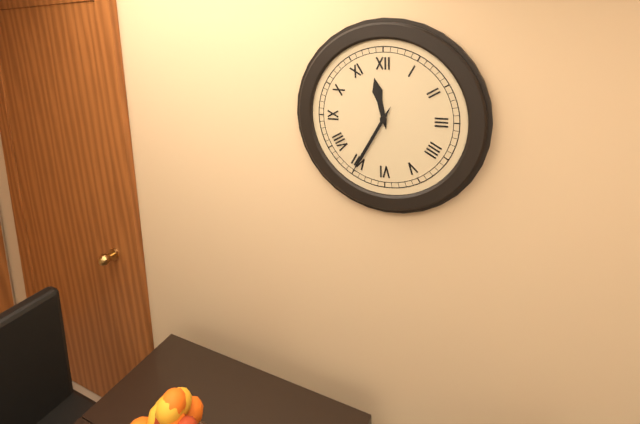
11:35
